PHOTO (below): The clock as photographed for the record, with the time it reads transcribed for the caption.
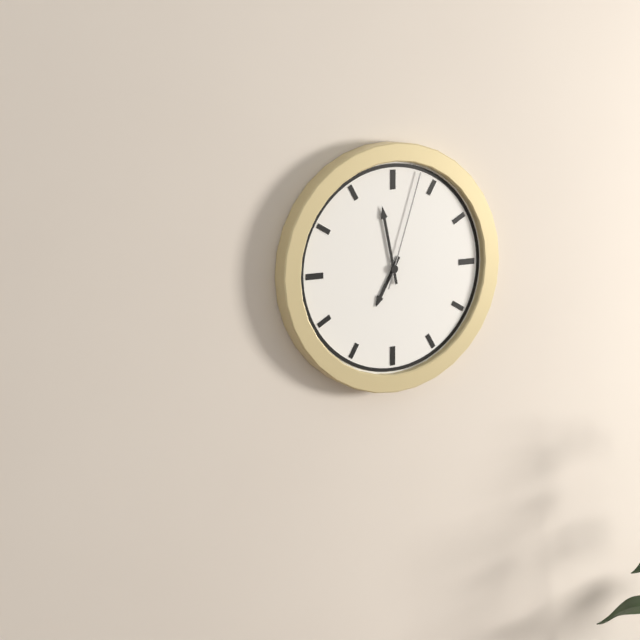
6:58:03
